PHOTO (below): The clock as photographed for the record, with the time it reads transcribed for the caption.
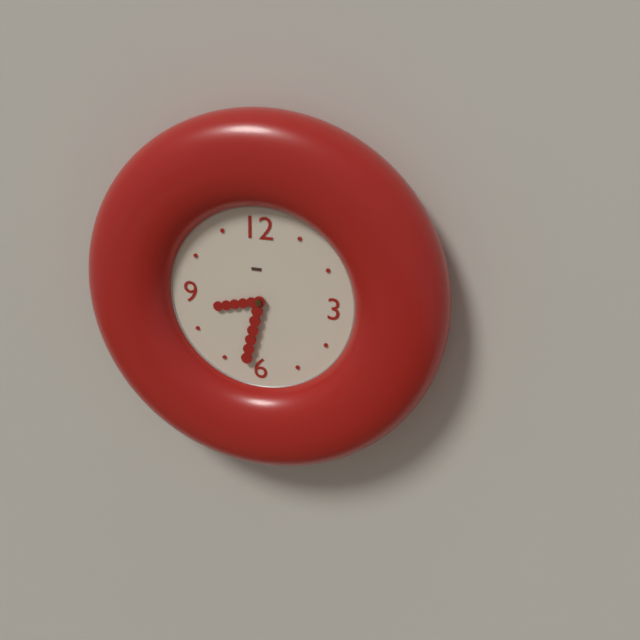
8:32
